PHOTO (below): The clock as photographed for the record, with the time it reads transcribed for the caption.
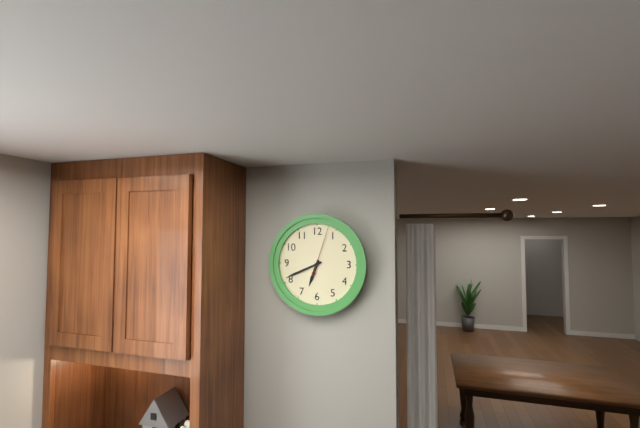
6:41
